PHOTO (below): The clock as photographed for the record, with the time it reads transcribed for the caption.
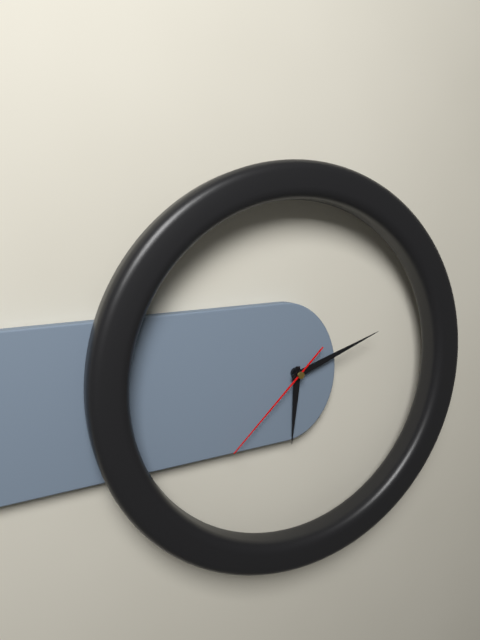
6:12:38
